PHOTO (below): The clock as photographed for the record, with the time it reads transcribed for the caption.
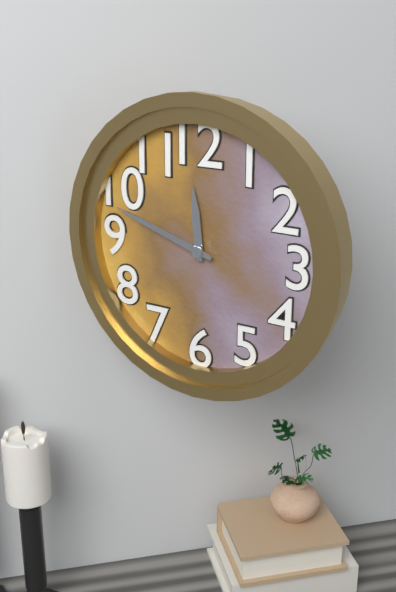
11:48
